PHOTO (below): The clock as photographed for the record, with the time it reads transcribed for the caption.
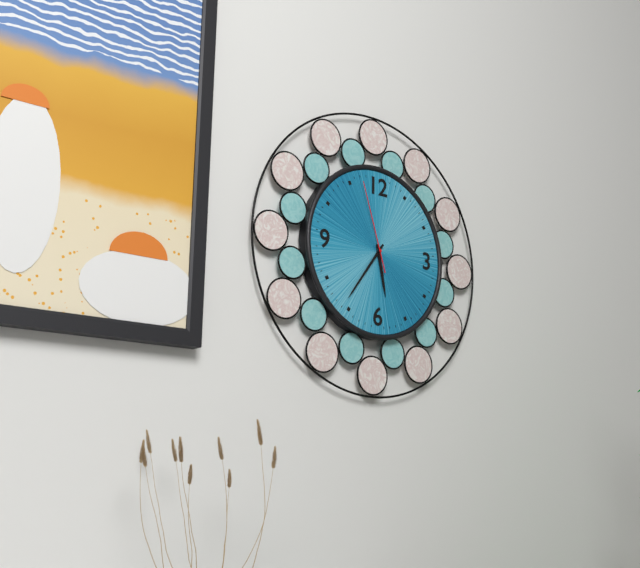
5:36:57
